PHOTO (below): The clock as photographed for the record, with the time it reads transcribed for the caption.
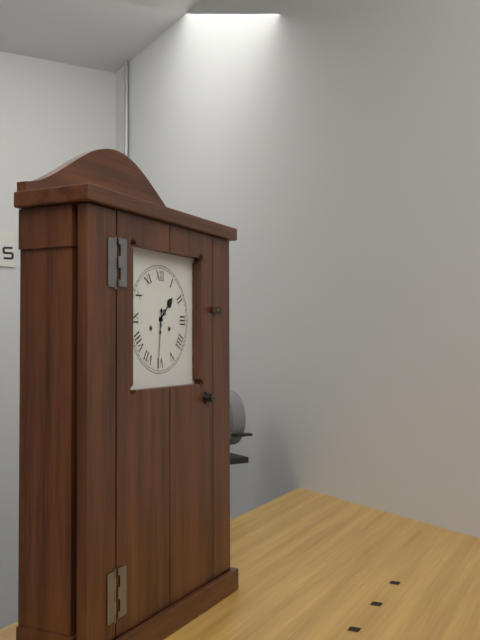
1:31
